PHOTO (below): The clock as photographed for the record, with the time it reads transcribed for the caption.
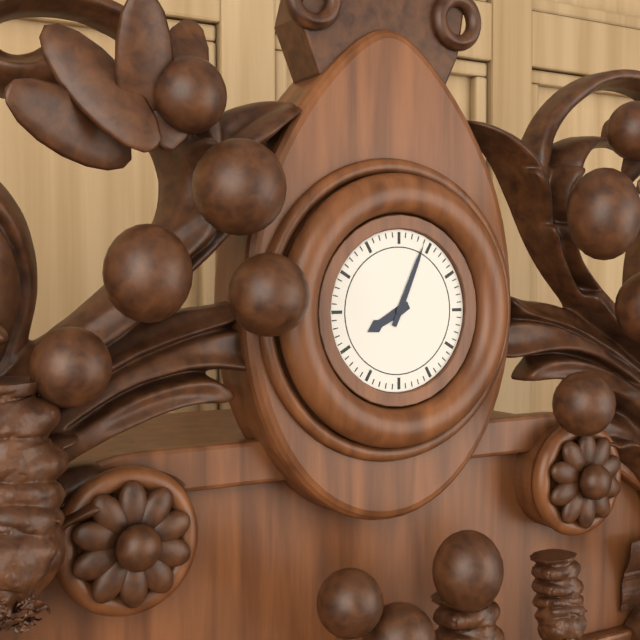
8:04
